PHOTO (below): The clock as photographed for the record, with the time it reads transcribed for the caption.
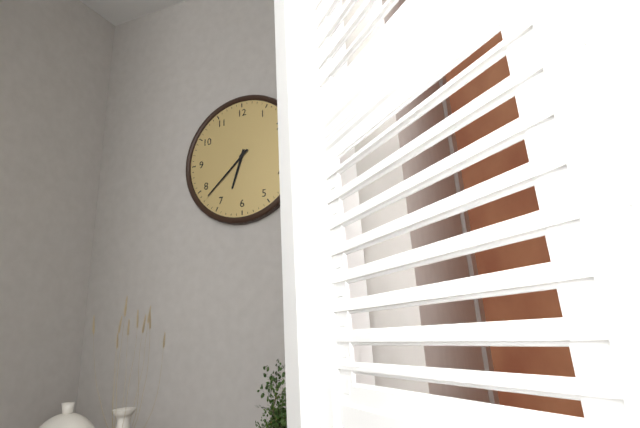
6:38
